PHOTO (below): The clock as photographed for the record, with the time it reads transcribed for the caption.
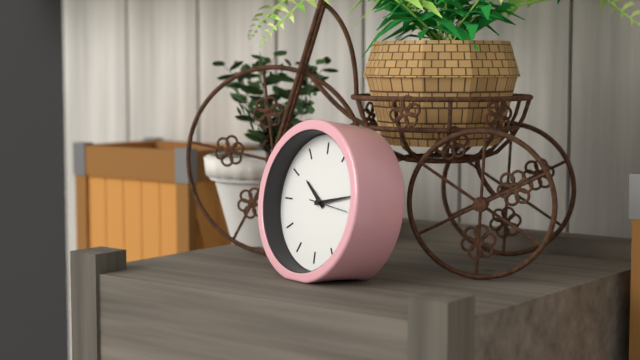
10:13
